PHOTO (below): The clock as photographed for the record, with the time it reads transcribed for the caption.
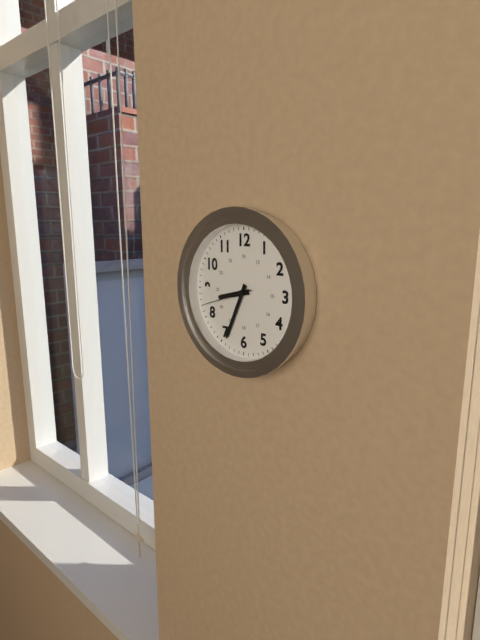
8:34:42
